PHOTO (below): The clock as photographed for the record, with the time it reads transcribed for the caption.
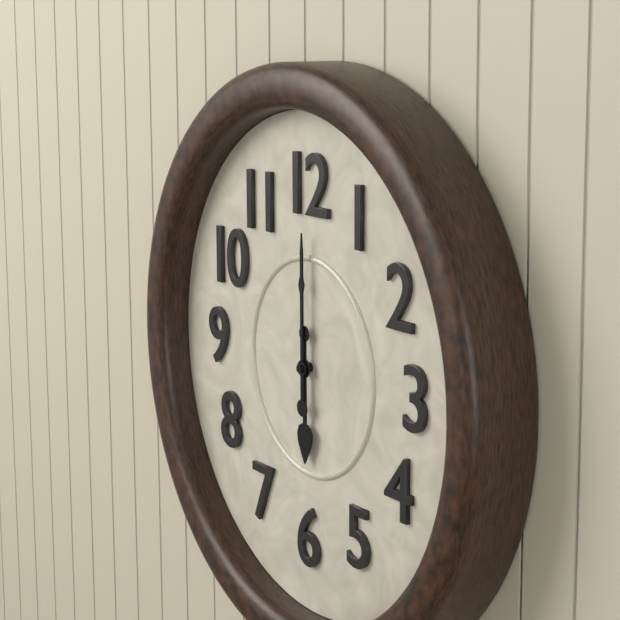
6:00
